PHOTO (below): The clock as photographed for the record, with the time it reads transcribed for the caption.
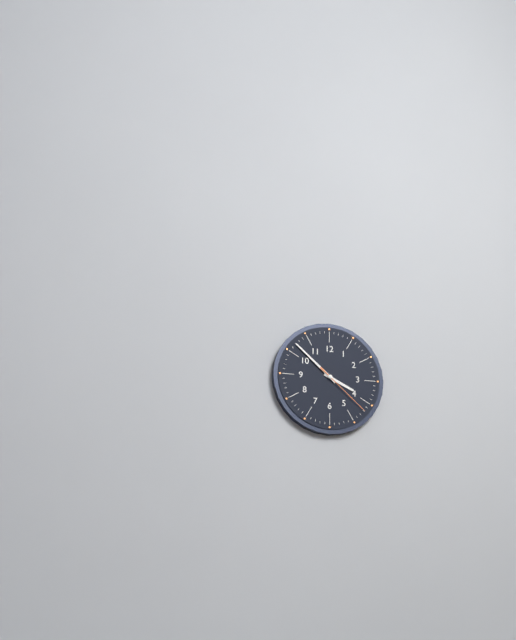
3:52:22
